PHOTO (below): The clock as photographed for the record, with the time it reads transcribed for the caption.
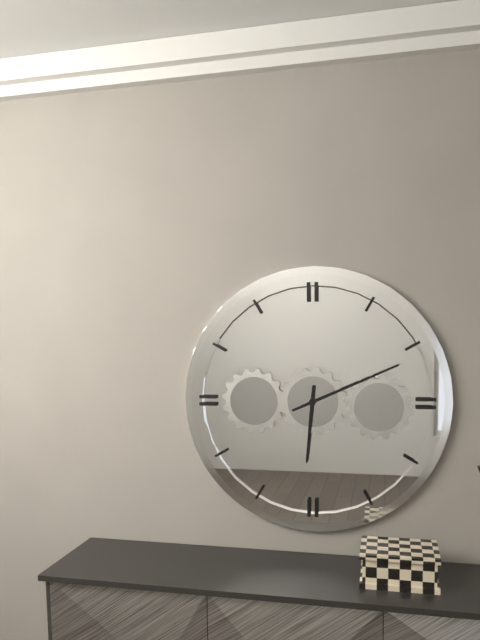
6:11
